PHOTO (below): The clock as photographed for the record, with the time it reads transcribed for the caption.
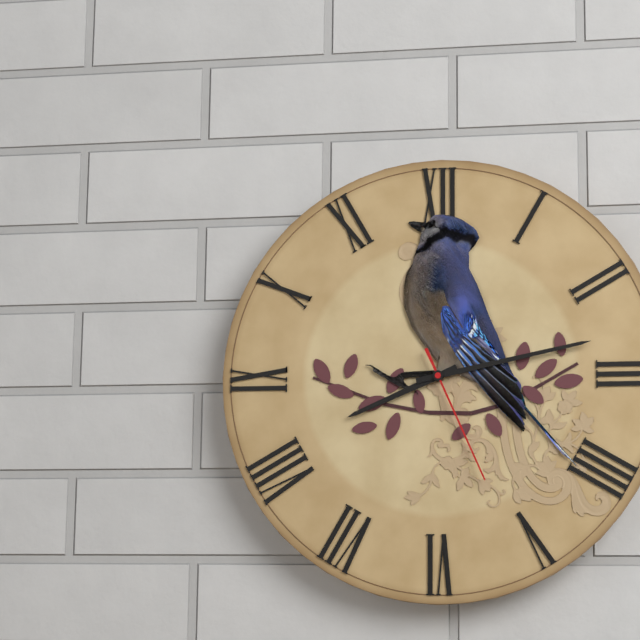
8:13:26
